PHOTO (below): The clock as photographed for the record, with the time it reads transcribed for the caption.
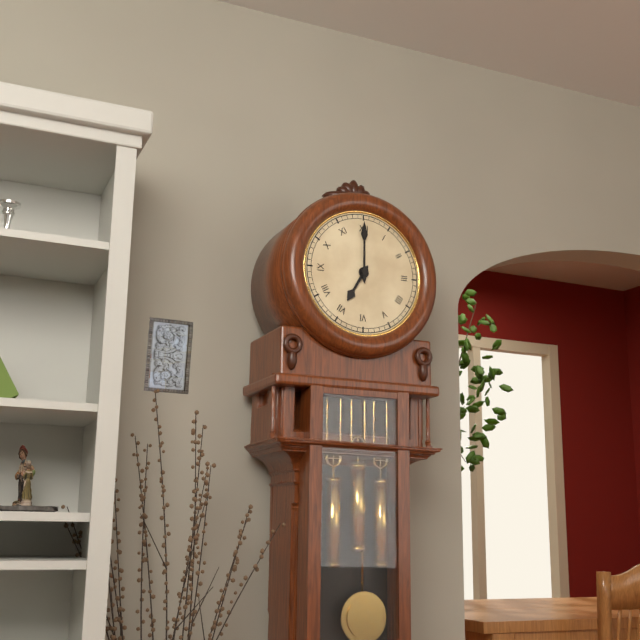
7:00
